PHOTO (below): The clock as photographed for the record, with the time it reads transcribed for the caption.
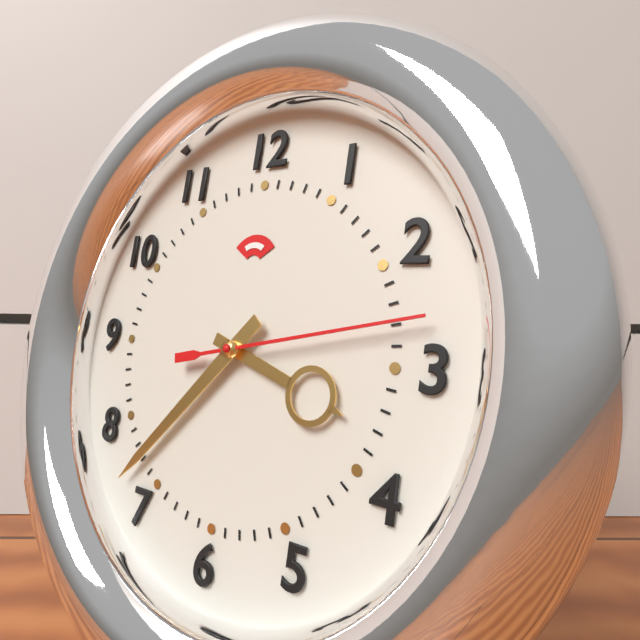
3:37:13
